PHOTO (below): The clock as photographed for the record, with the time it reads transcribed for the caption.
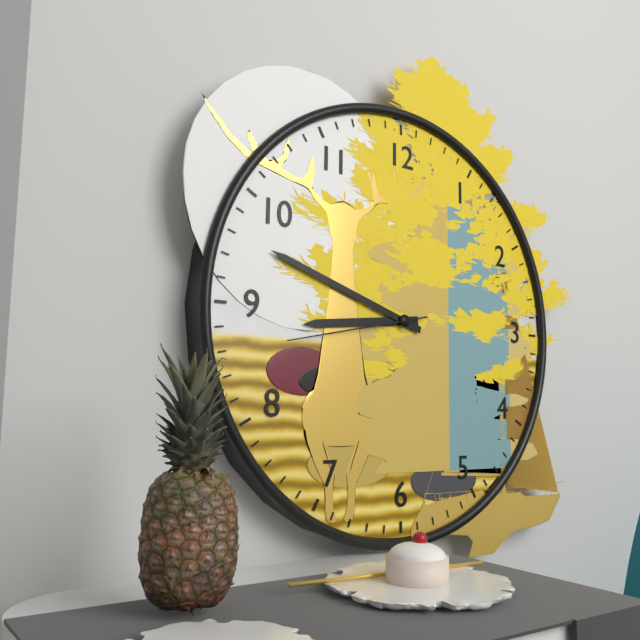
8:48:43
